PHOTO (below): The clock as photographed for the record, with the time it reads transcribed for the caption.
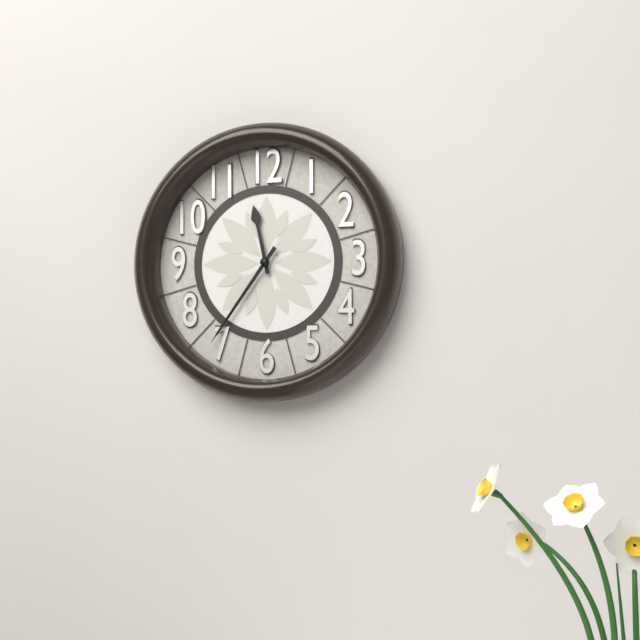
11:36
